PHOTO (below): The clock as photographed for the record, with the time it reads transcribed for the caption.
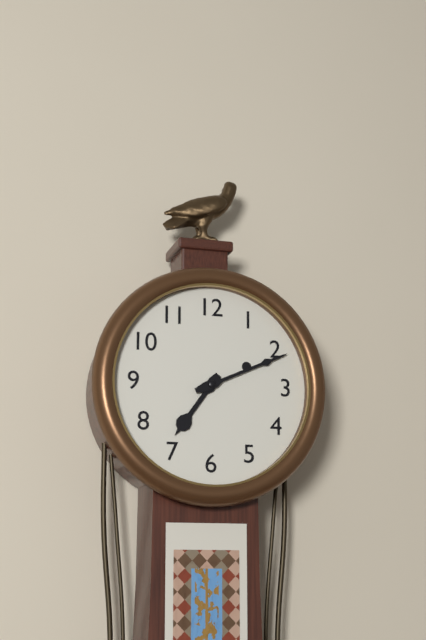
7:11
